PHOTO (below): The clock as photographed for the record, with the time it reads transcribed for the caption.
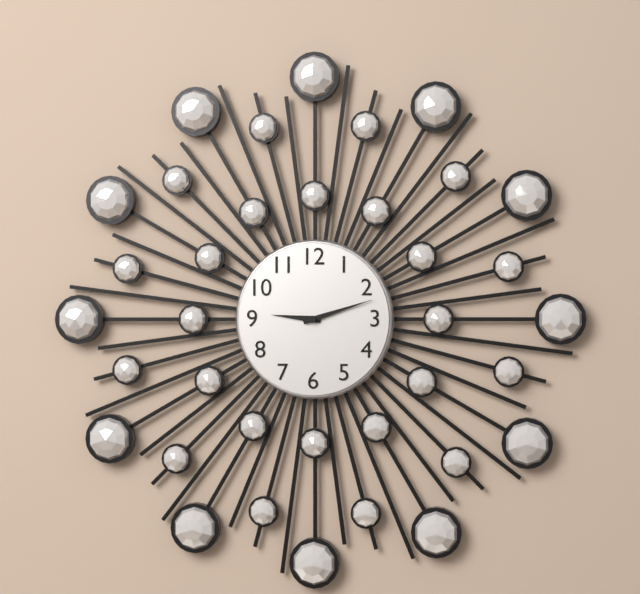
9:12
